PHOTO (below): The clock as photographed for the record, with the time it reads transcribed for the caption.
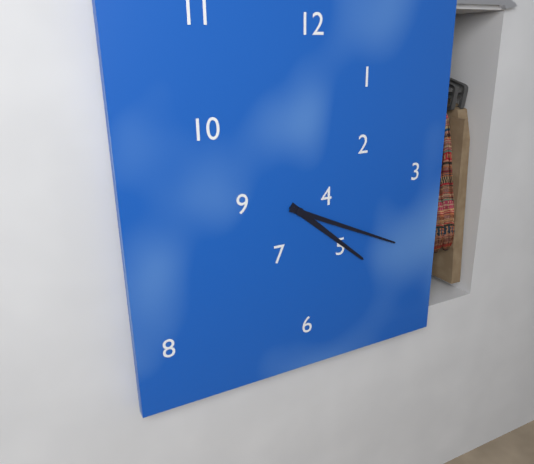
4:19
